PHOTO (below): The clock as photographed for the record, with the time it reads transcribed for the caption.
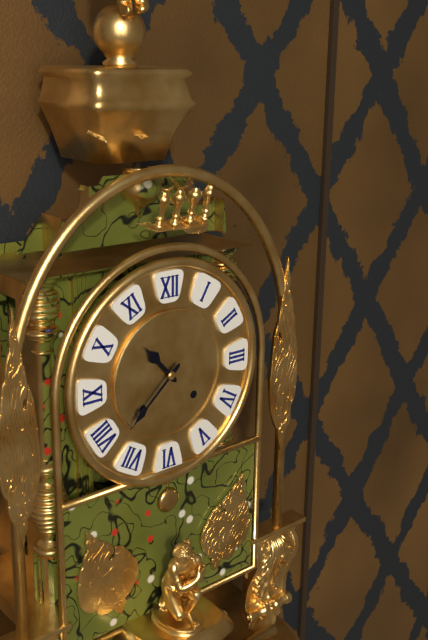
10:38
